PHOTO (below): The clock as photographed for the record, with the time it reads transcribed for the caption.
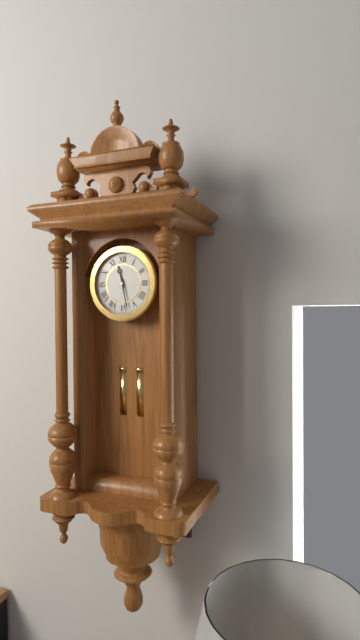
11:28
